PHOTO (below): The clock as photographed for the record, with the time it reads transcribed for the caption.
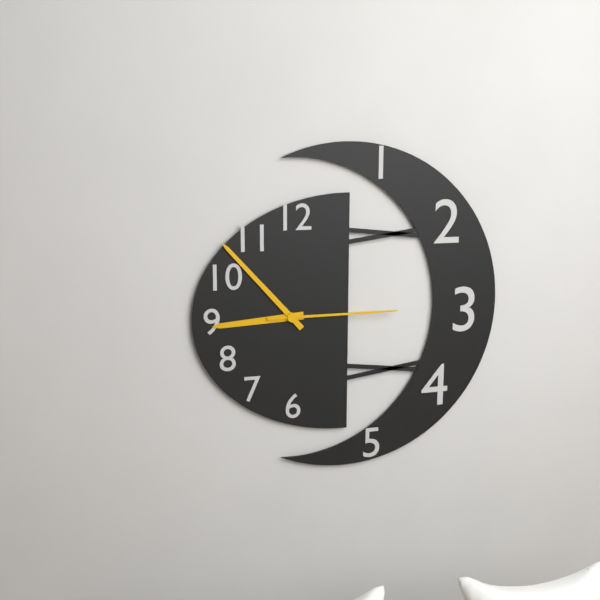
8:53:15
